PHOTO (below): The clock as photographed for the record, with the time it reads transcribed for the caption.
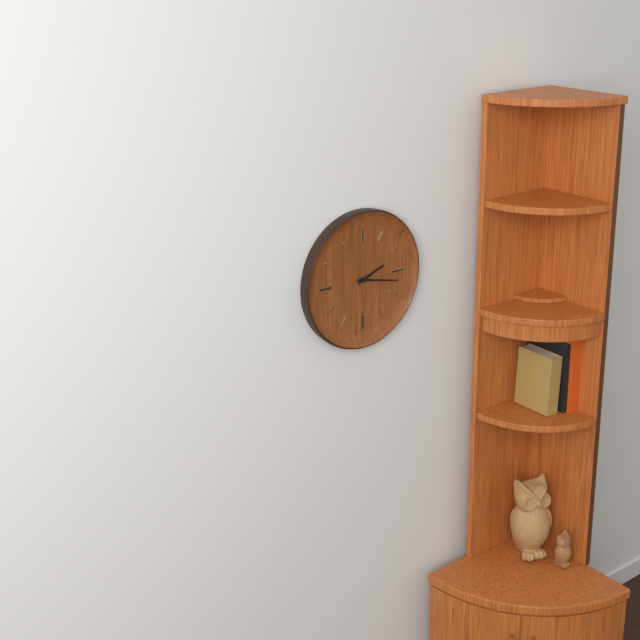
2:17
